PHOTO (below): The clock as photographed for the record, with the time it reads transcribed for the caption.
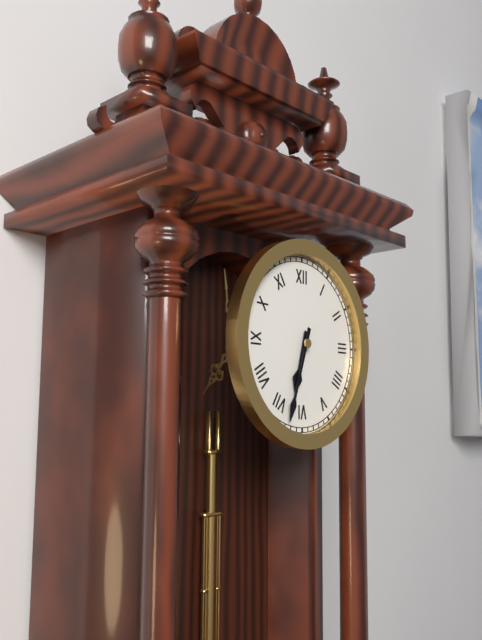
6:33
